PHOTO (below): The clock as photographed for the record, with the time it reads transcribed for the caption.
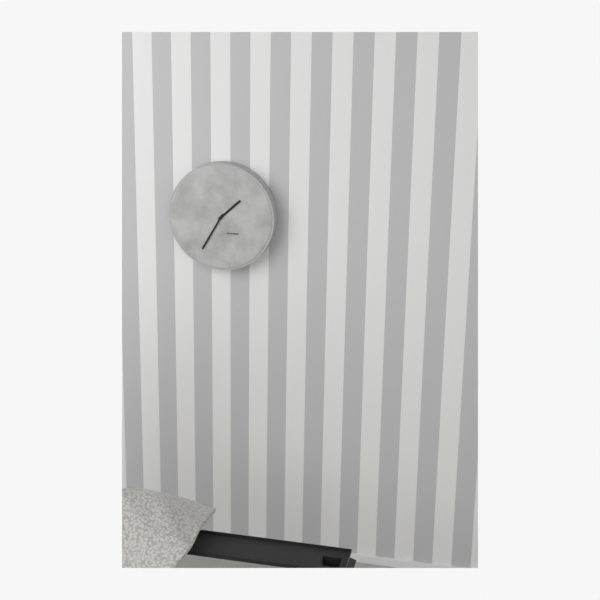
1:35
